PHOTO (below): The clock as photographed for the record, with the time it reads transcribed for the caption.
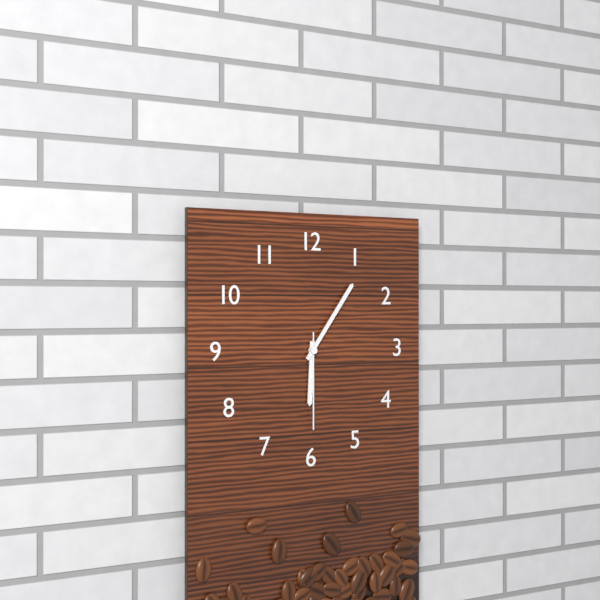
6:06:30
